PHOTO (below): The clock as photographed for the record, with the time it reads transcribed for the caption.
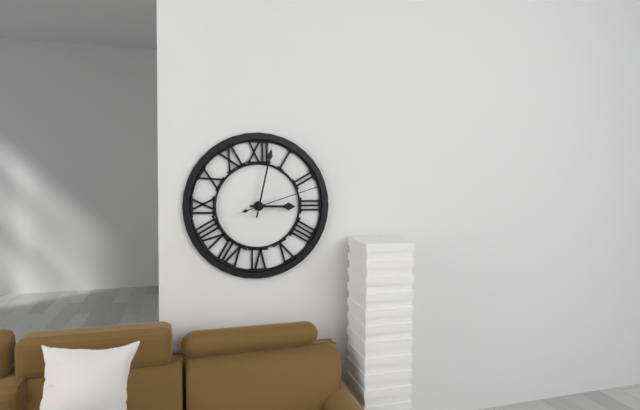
3:02:12
